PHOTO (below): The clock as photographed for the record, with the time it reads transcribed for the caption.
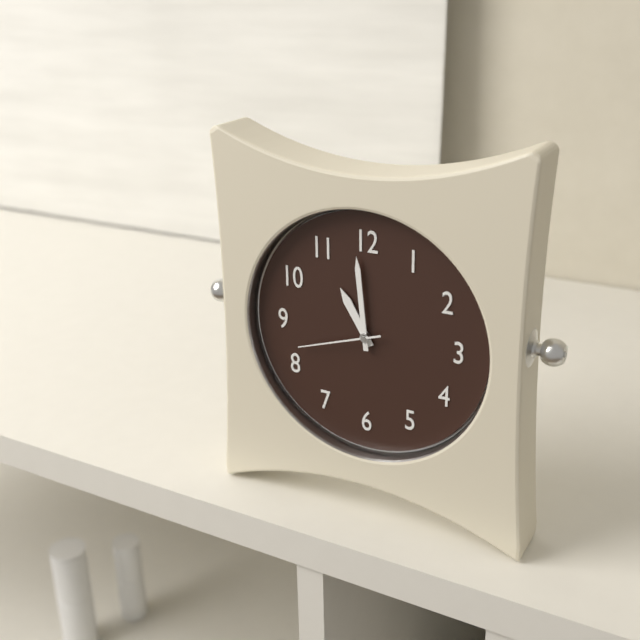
10:59:42
